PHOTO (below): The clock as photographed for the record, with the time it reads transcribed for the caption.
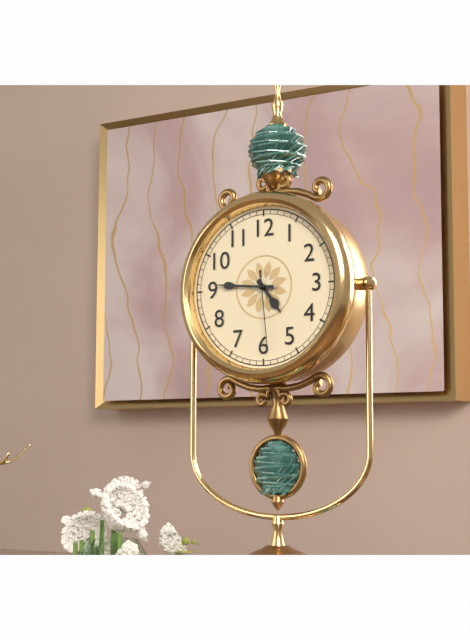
4:46:29
